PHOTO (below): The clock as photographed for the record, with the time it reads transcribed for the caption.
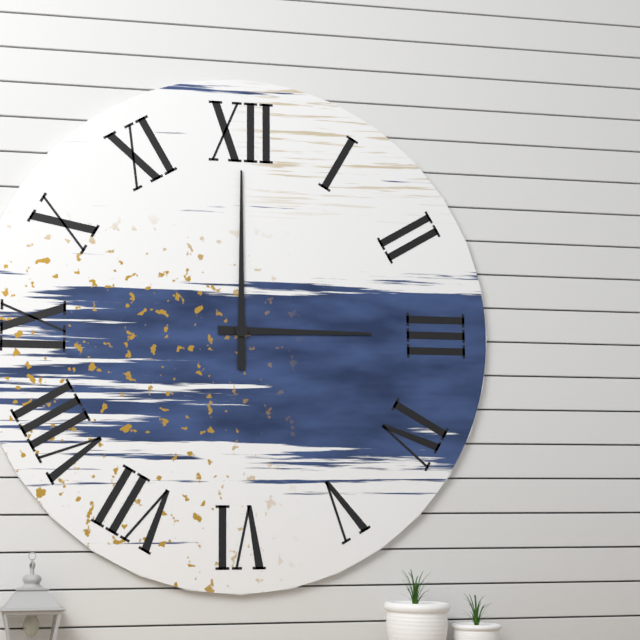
3:00
